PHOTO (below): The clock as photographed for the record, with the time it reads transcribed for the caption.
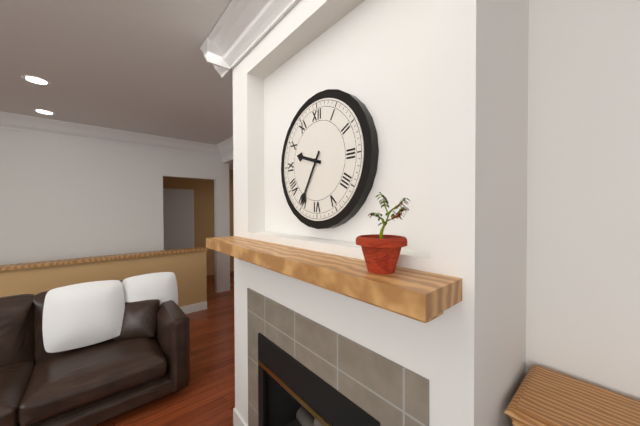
9:35
